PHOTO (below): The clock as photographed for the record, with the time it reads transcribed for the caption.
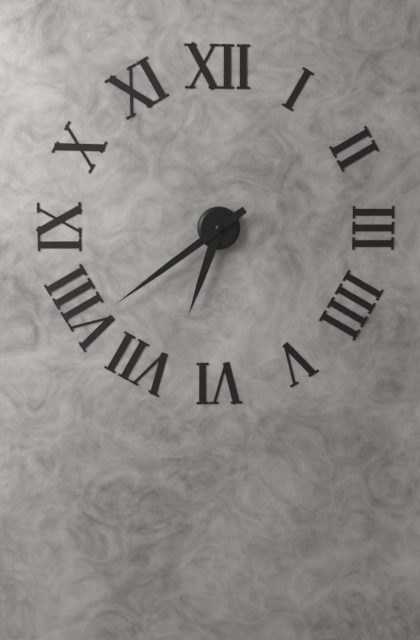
6:39
